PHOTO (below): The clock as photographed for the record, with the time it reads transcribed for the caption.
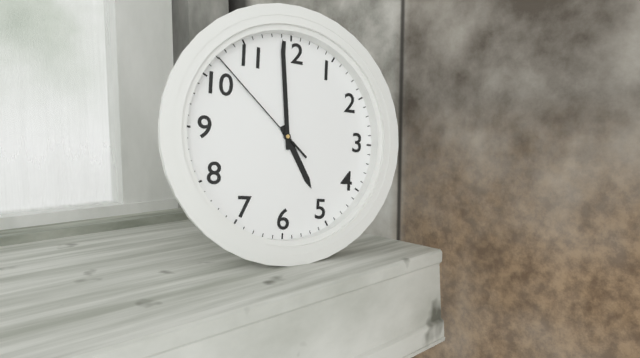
4:59:52
